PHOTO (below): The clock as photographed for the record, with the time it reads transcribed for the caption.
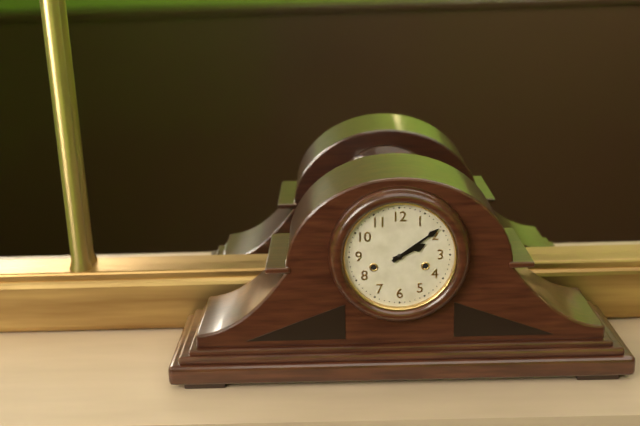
2:09
